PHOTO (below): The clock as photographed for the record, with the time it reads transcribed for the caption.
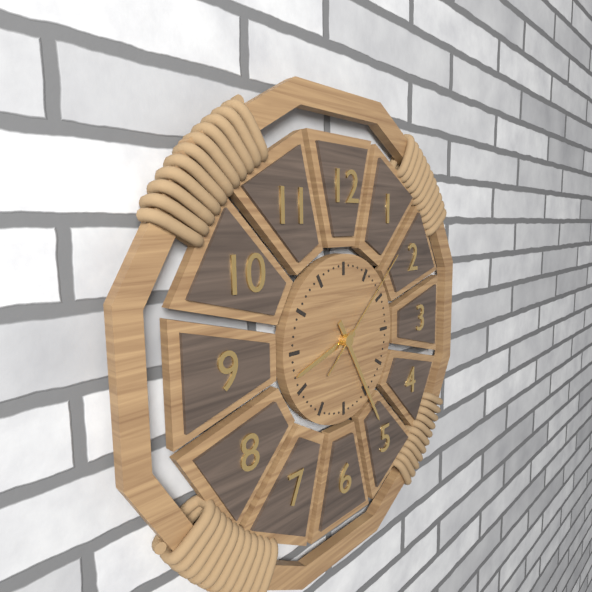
8:25:08
